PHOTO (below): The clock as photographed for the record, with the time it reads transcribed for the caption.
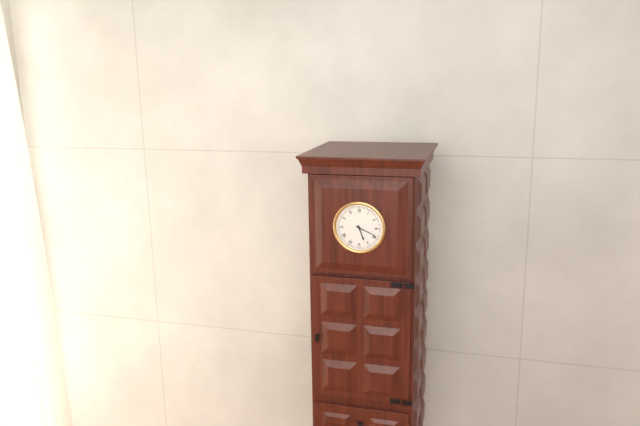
5:19
